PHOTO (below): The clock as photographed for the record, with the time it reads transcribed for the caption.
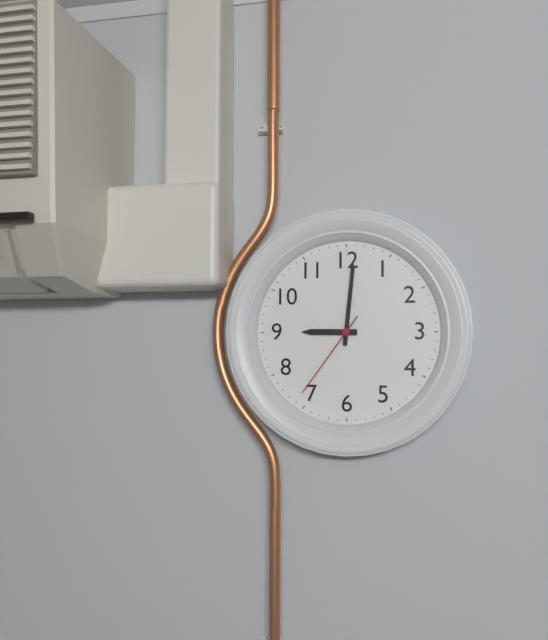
9:01:36
